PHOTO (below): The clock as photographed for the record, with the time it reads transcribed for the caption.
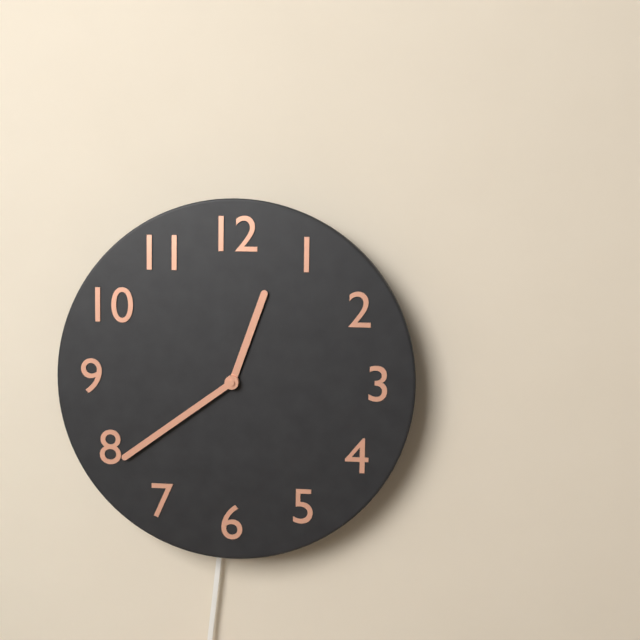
12:39
